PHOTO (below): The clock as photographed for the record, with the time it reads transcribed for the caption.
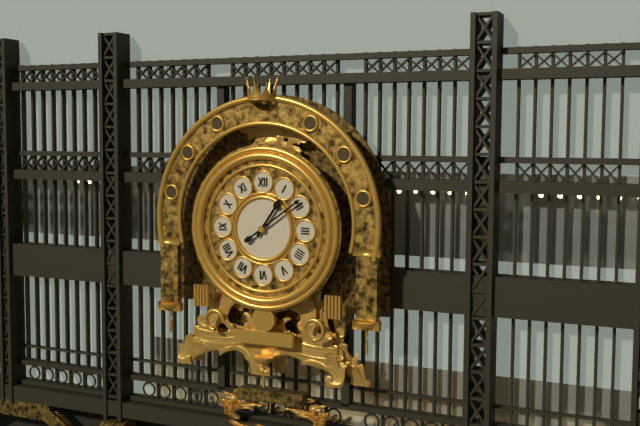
1:09
